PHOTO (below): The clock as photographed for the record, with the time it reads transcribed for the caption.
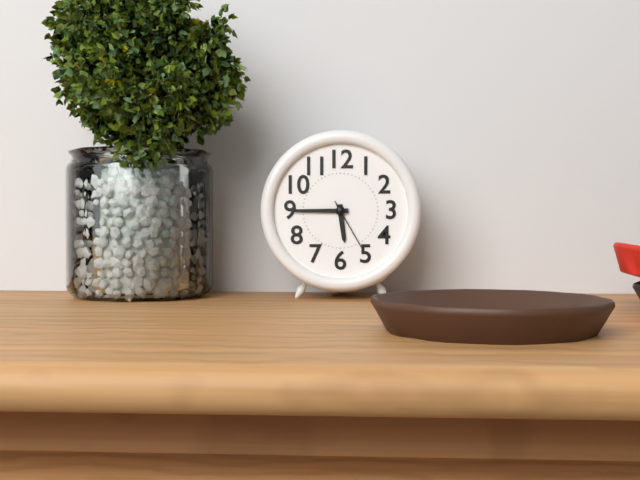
5:45:25
